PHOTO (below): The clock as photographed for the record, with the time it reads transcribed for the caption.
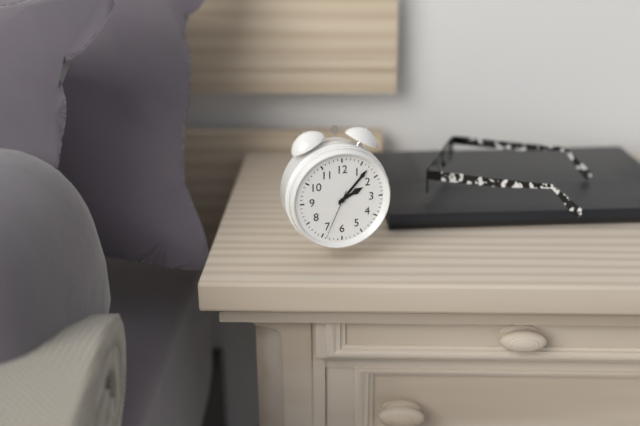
2:07:34
